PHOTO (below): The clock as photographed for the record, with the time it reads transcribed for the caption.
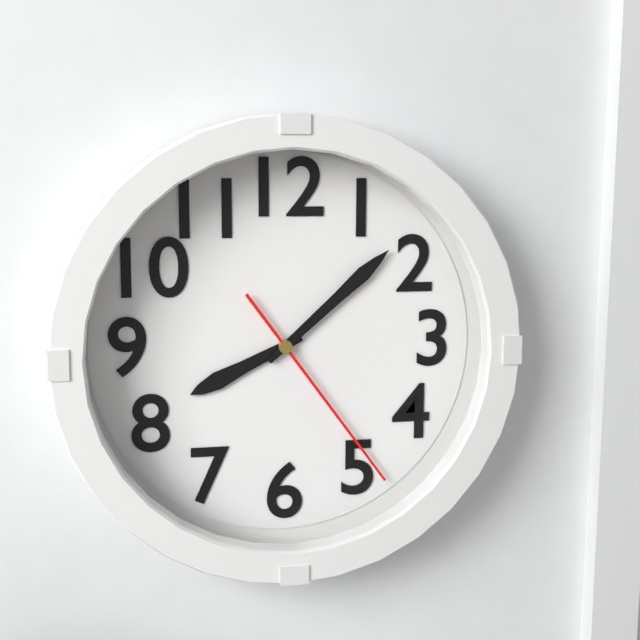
8:08:24
